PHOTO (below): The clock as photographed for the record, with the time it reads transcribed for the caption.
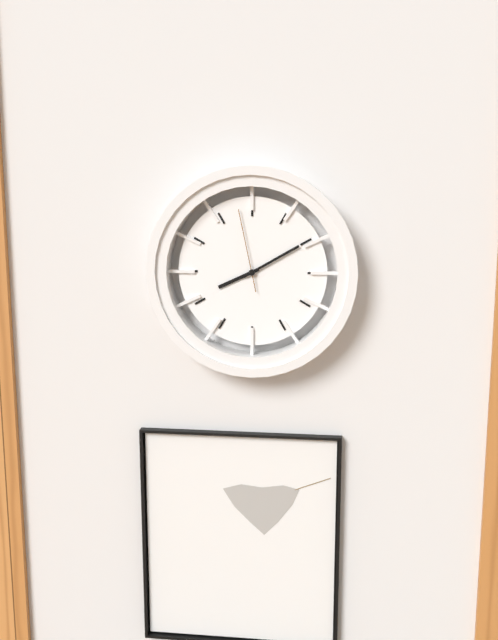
8:10:58
